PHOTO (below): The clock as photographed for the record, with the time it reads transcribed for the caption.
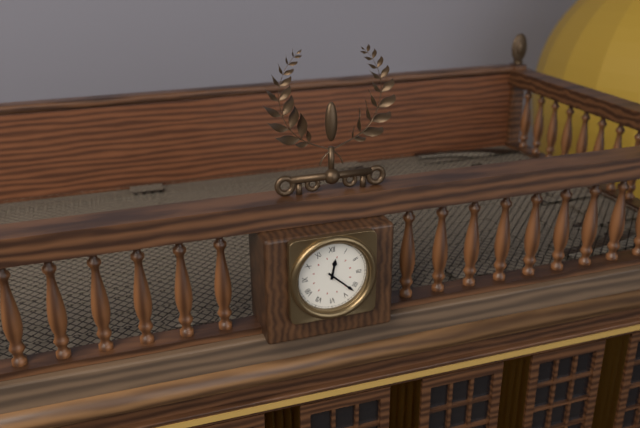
12:22
